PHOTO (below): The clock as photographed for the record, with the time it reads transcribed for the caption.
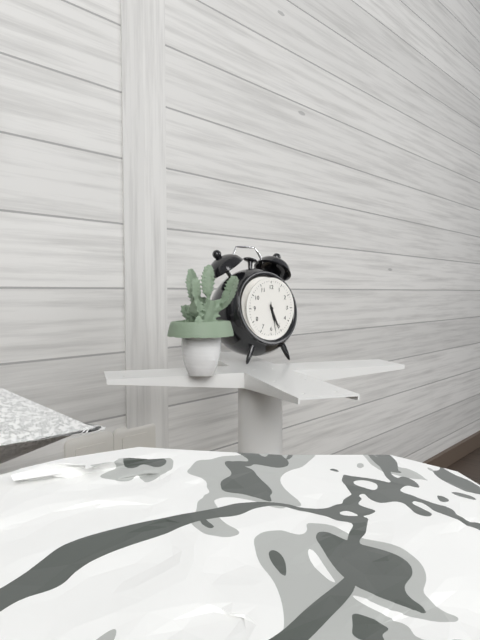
5:26
